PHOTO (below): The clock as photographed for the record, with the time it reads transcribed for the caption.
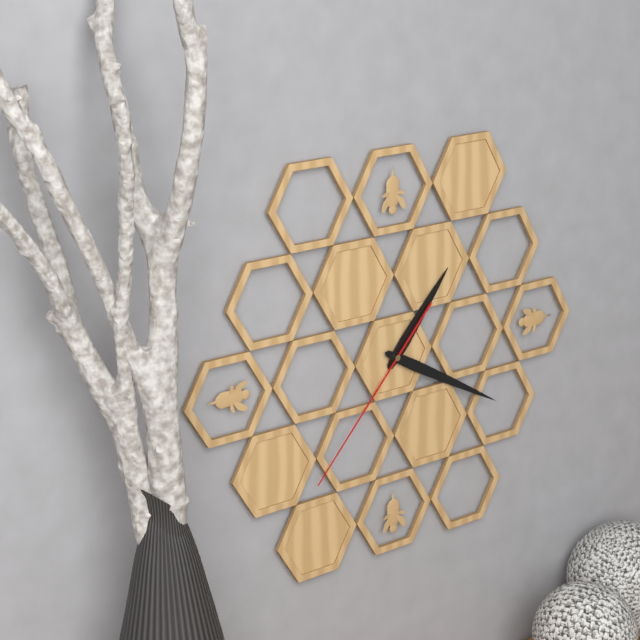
1:20:37
